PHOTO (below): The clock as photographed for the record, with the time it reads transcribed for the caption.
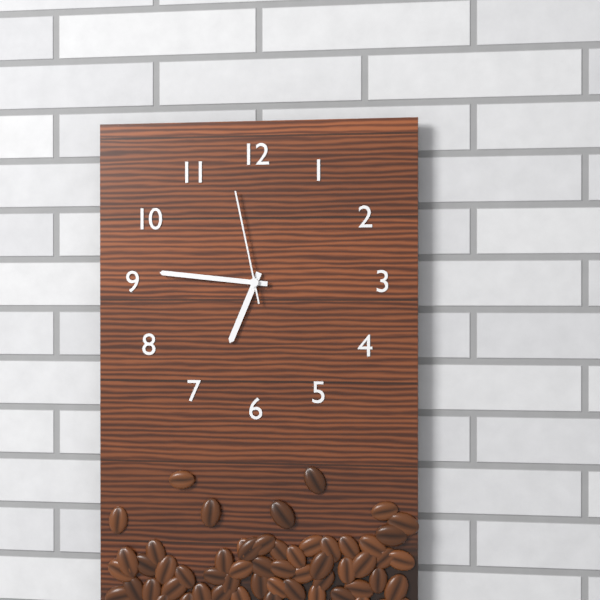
6:46:58
